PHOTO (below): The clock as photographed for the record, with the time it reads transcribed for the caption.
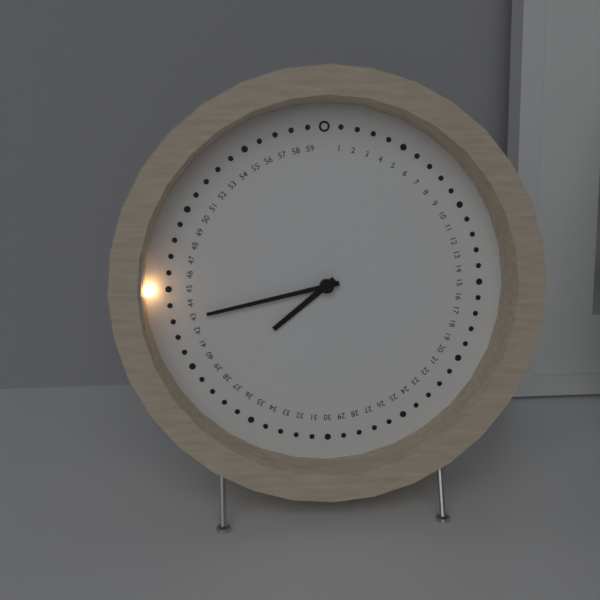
7:43
